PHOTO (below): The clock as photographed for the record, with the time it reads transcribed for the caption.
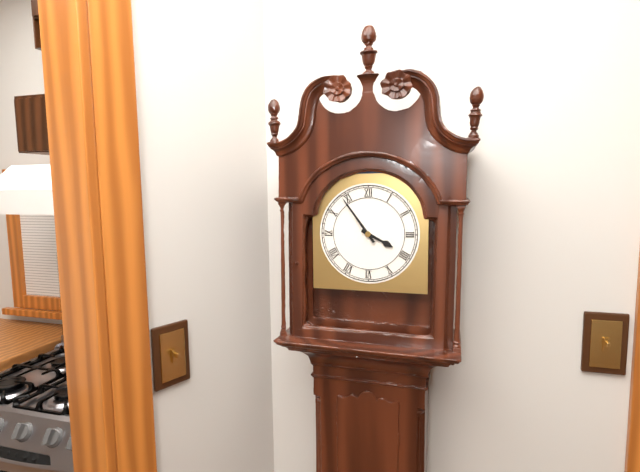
3:54
